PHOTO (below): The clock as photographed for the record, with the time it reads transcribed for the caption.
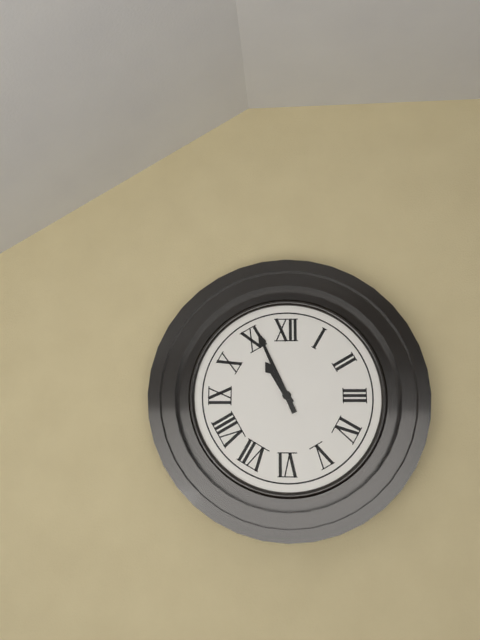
10:56
